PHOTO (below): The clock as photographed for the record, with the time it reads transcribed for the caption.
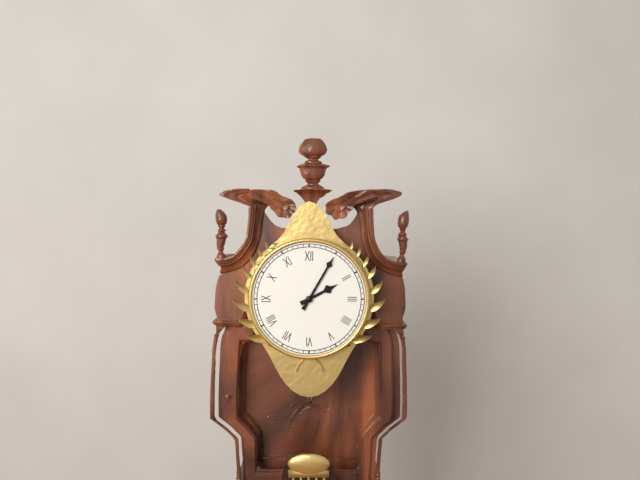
2:05
